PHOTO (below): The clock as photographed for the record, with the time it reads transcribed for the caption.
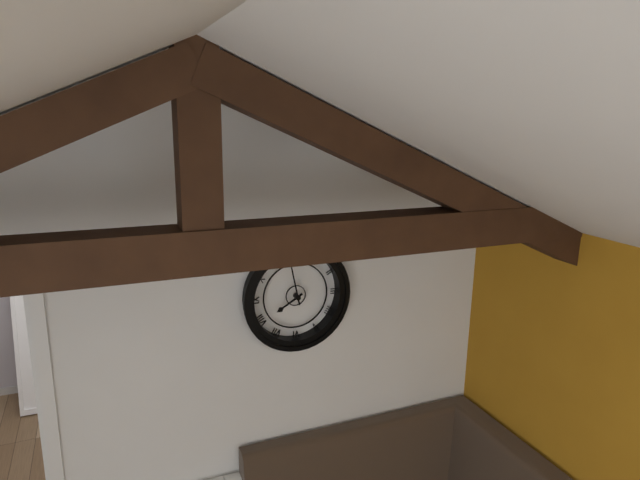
7:58
